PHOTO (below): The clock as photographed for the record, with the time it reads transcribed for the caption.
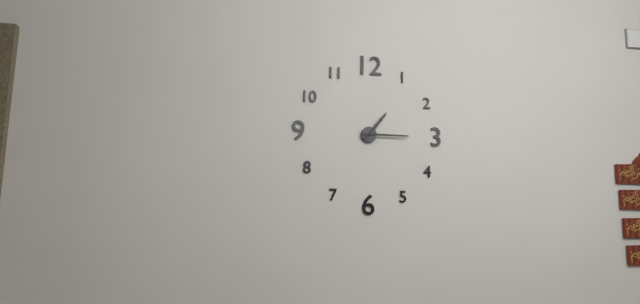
1:15
